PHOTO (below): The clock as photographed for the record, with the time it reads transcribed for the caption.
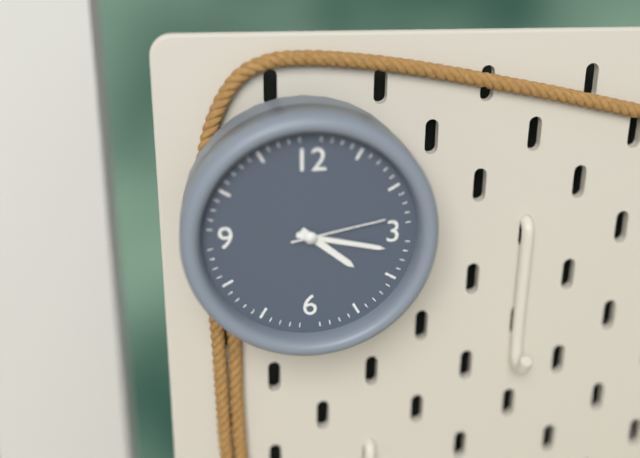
4:17:13
